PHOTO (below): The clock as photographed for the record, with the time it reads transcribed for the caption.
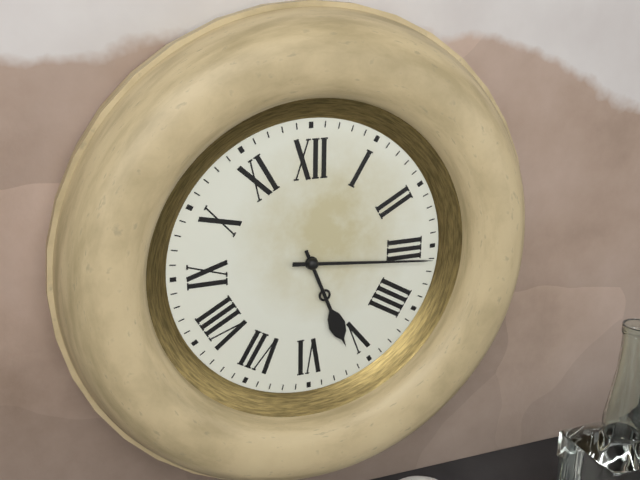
5:16
